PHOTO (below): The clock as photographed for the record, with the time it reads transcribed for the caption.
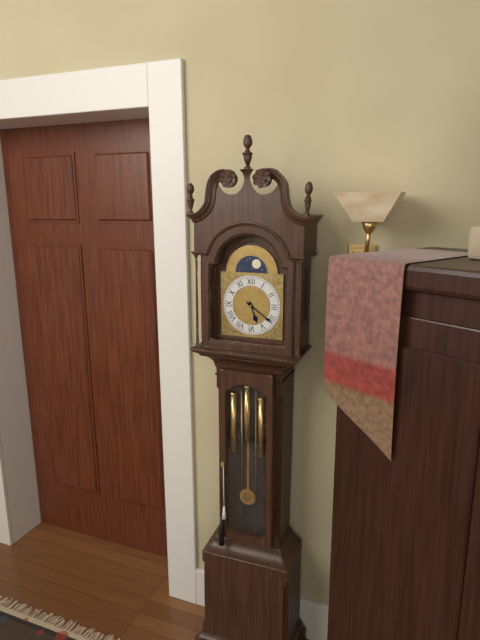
5:21
